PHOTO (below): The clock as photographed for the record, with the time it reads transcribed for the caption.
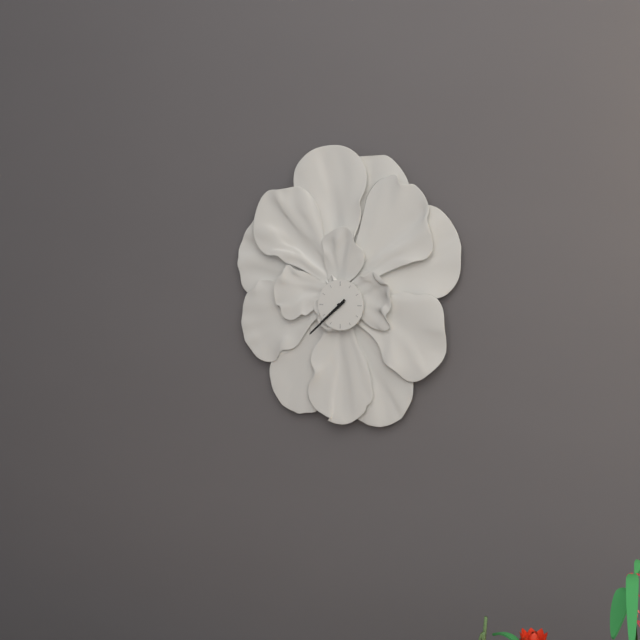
7:38
